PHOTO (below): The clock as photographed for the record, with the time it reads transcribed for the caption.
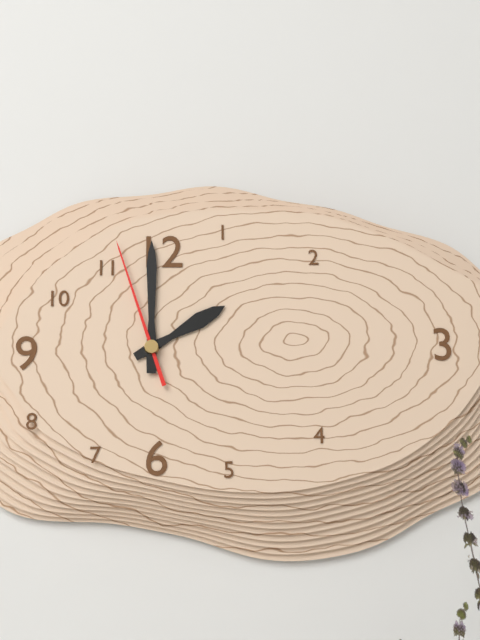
2:00:57
